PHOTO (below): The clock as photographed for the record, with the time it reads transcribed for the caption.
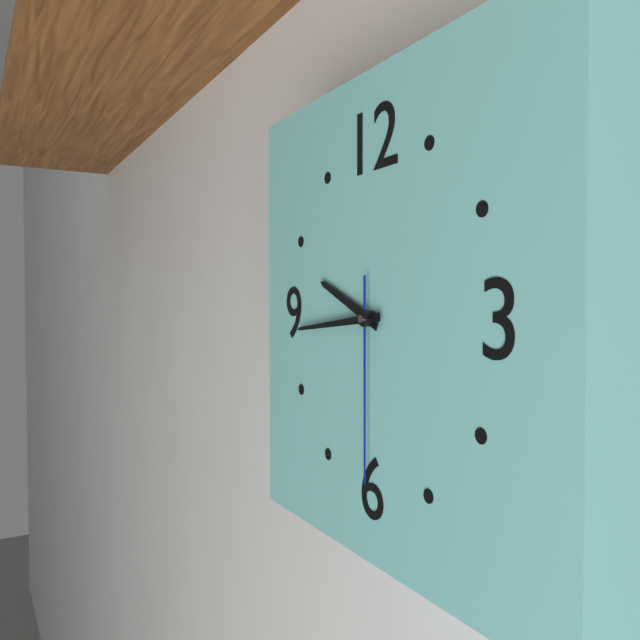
9:44:30
